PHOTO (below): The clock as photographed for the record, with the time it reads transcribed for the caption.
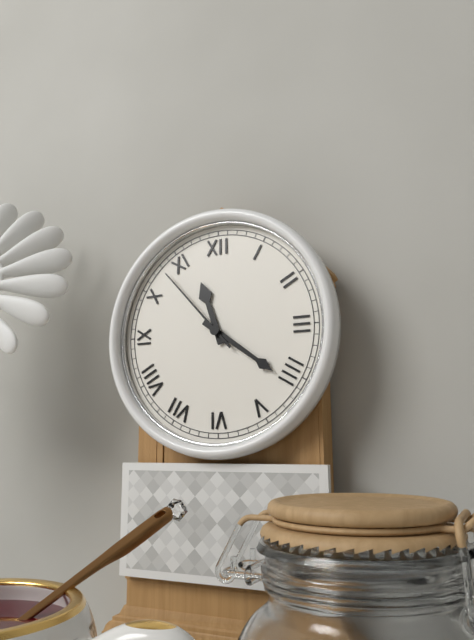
11:21:53
